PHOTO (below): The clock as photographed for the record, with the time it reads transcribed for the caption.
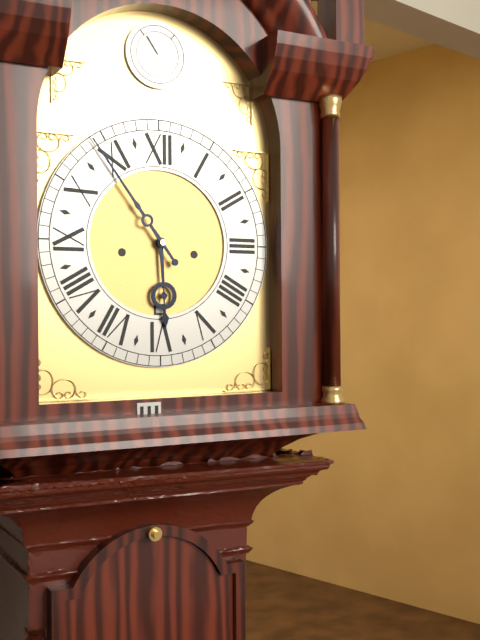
5:54
